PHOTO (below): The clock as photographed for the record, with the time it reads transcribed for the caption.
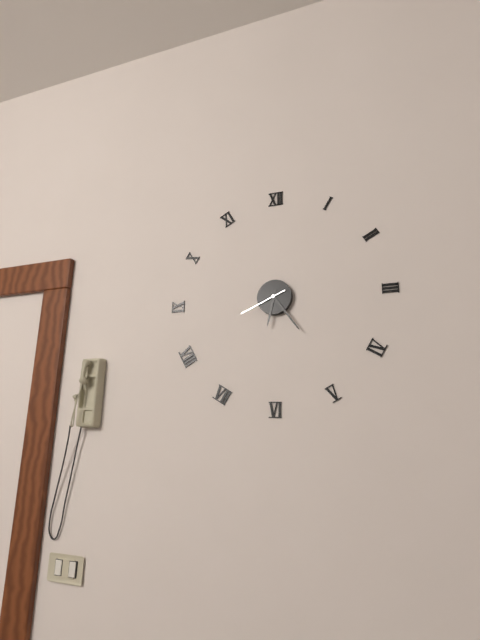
6:24
